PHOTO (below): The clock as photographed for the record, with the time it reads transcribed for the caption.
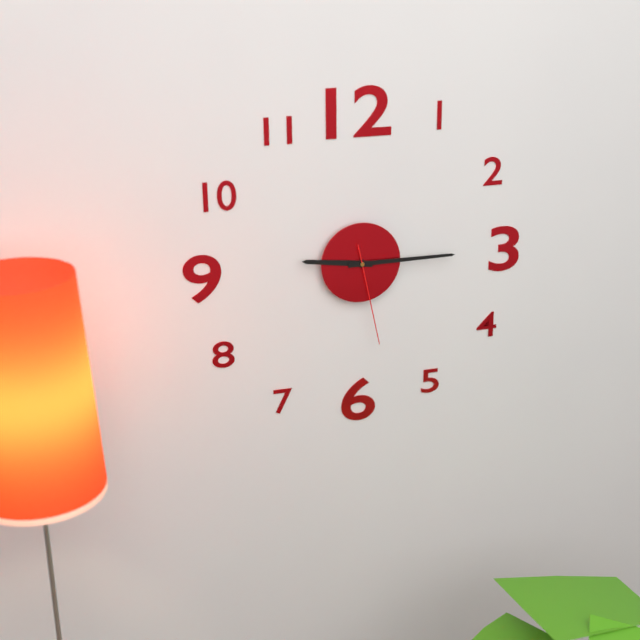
9:15:28
